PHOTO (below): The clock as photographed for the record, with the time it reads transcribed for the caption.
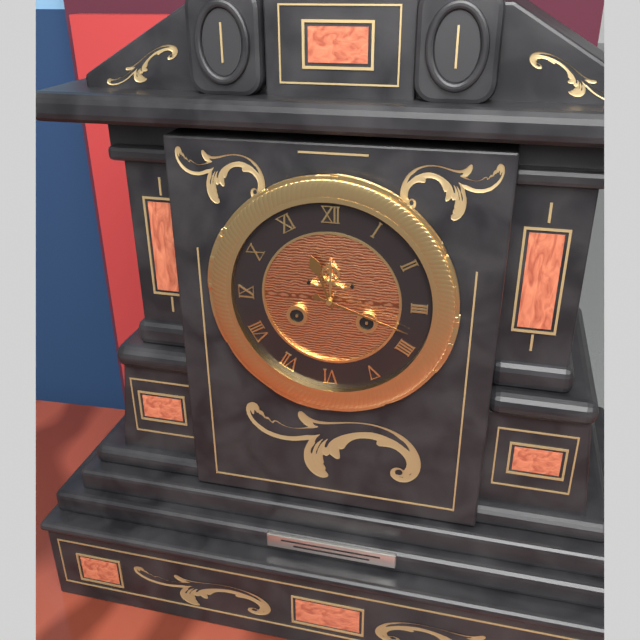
11:18
